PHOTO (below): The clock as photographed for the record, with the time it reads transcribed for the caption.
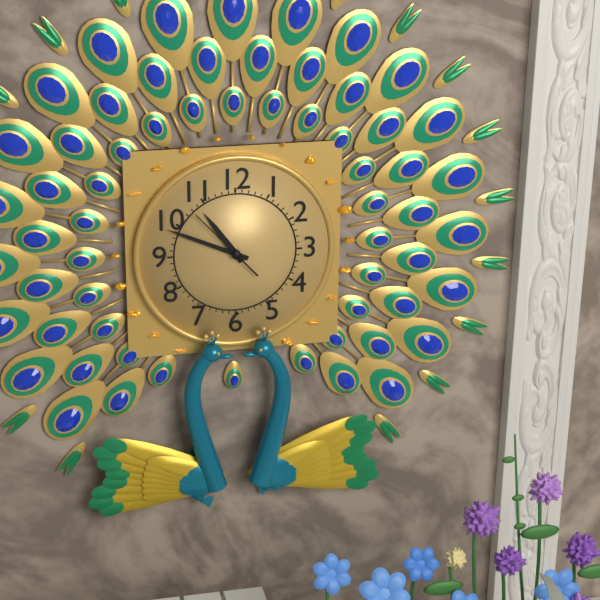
10:49:53
